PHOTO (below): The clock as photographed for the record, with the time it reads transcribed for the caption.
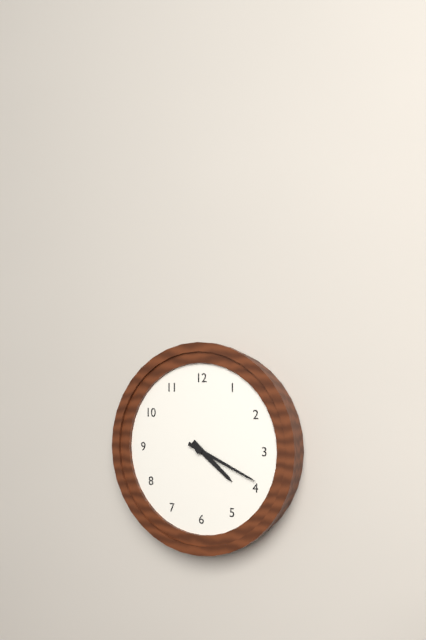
4:19
